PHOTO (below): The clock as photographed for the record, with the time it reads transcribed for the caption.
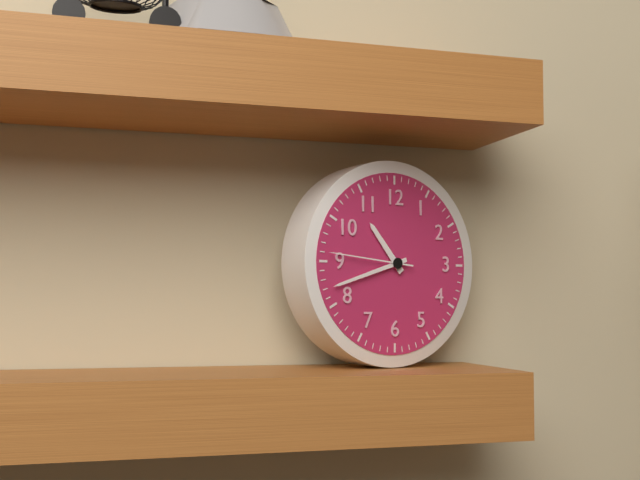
10:42:46
